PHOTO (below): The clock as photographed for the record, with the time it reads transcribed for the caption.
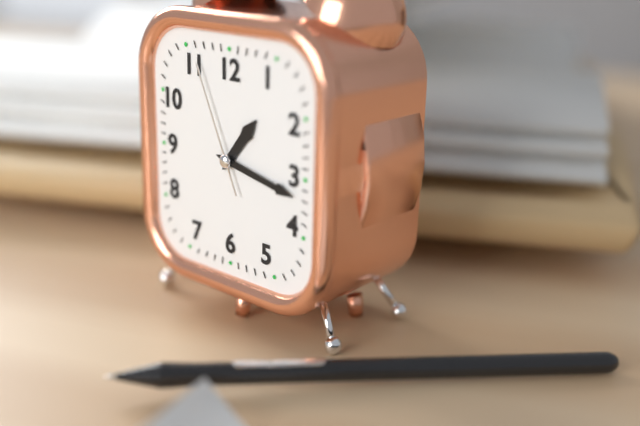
1:17:56
